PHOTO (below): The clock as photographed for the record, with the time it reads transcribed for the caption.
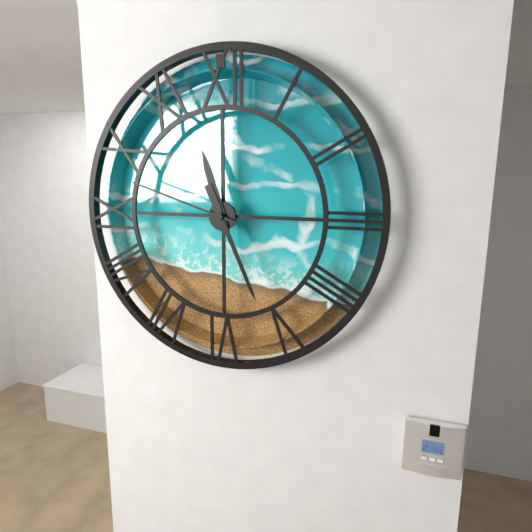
11:26:48
